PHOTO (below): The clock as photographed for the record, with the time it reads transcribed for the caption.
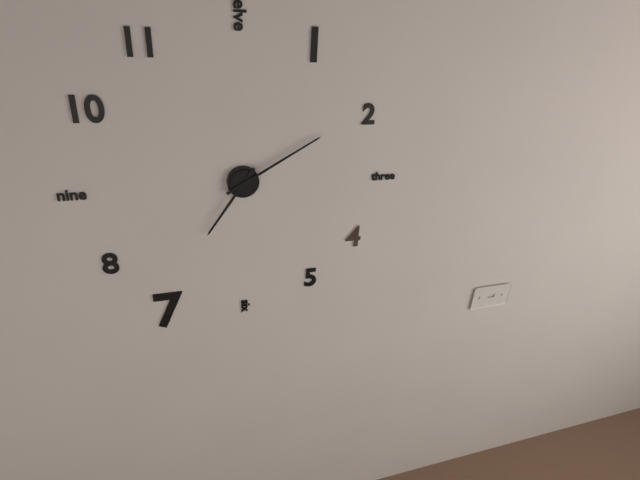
7:10
